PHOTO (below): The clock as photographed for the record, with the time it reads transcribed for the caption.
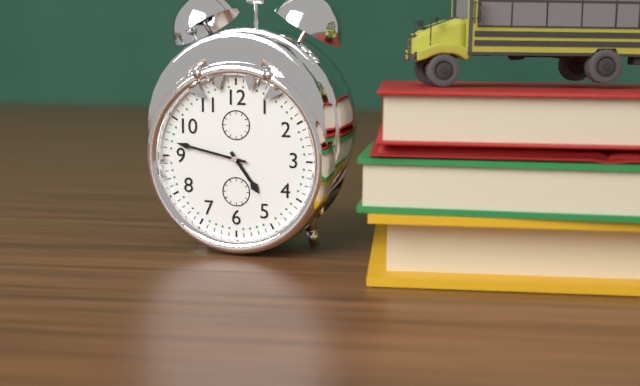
4:47
